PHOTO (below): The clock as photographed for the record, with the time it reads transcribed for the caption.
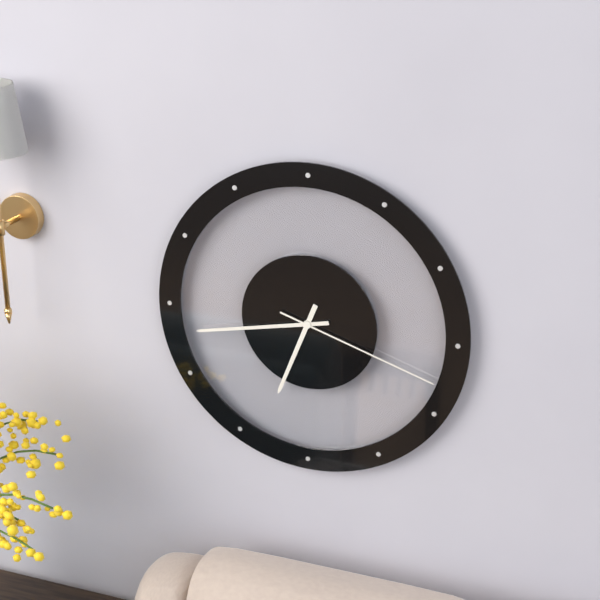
6:43:18
